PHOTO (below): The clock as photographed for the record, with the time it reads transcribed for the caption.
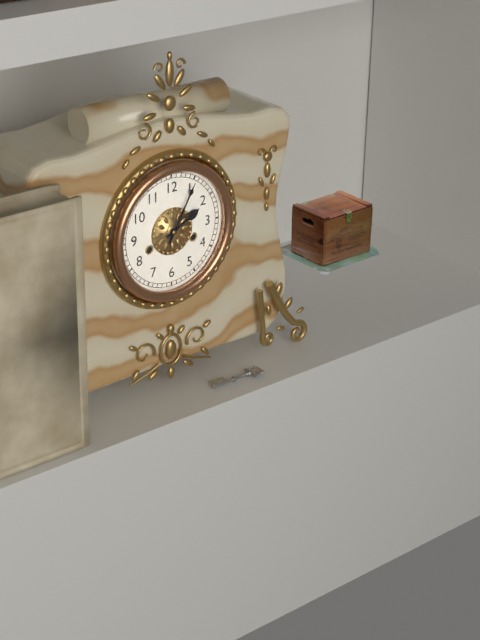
2:05
